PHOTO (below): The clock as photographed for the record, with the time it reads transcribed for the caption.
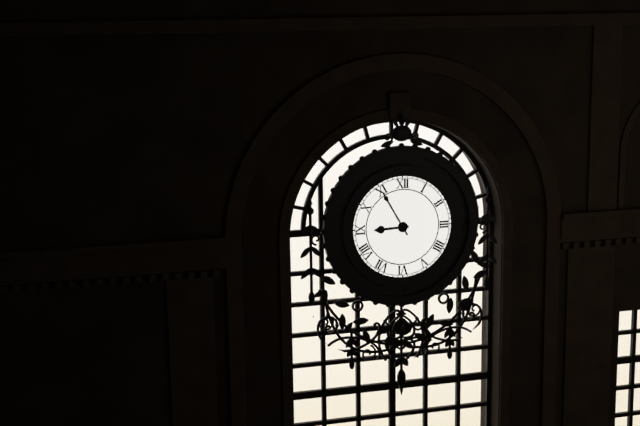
8:55
